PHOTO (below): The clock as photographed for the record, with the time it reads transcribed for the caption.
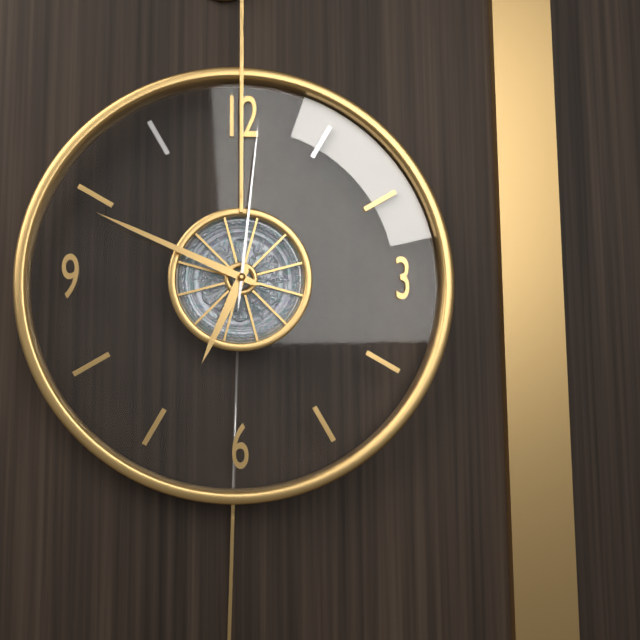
6:49:01
